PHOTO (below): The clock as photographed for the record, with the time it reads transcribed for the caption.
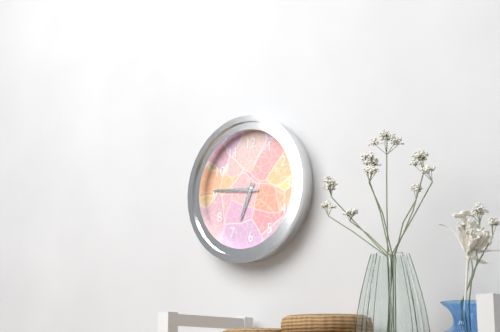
6:46
